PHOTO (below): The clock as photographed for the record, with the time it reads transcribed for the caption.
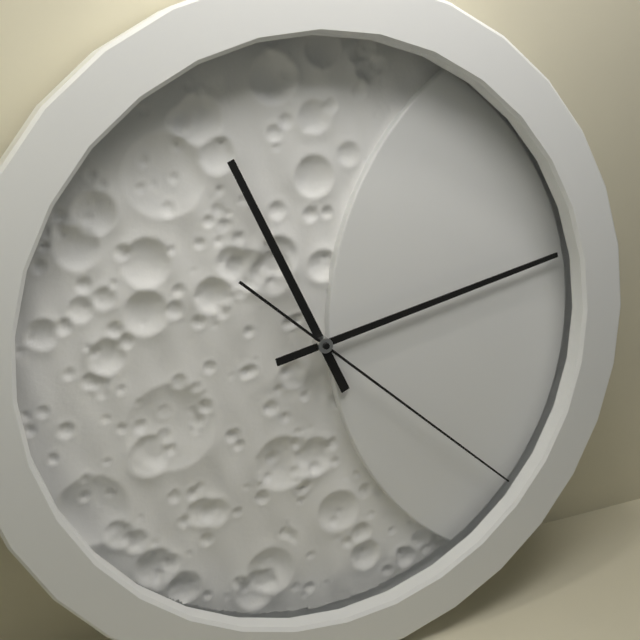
11:13:22
